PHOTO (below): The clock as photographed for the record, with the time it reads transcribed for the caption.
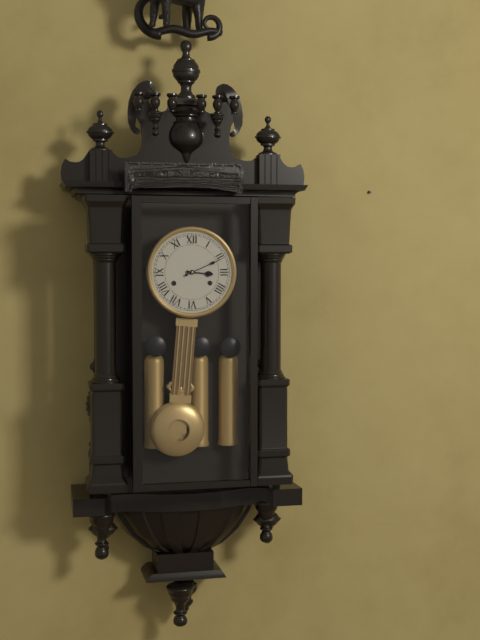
3:11
